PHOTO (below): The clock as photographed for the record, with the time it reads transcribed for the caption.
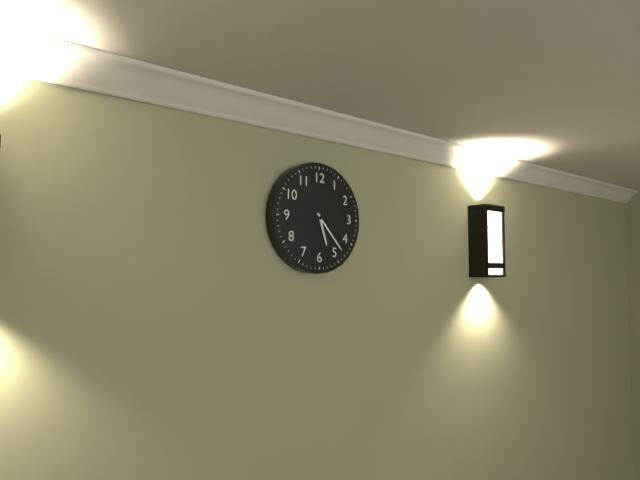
5:23
